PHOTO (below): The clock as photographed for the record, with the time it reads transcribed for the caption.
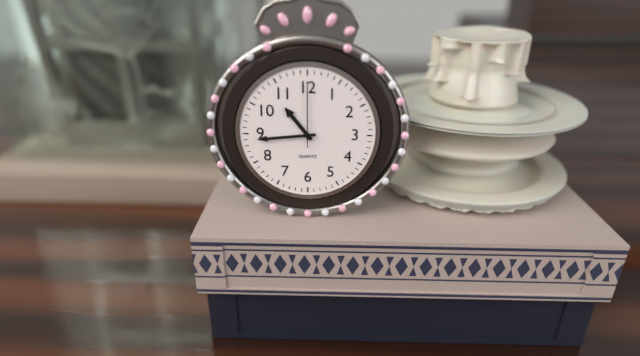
10:44:00
